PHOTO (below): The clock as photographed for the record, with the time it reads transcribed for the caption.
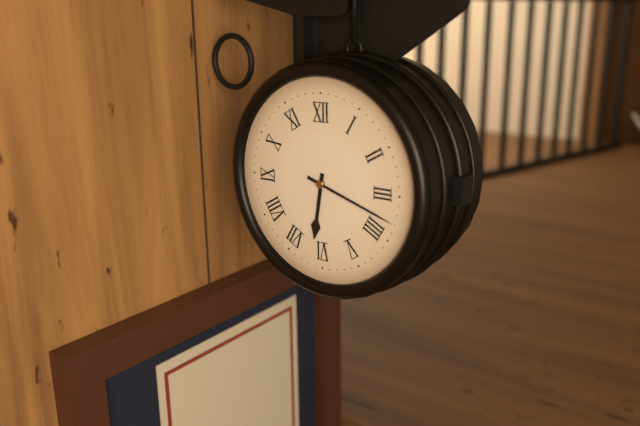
6:18
